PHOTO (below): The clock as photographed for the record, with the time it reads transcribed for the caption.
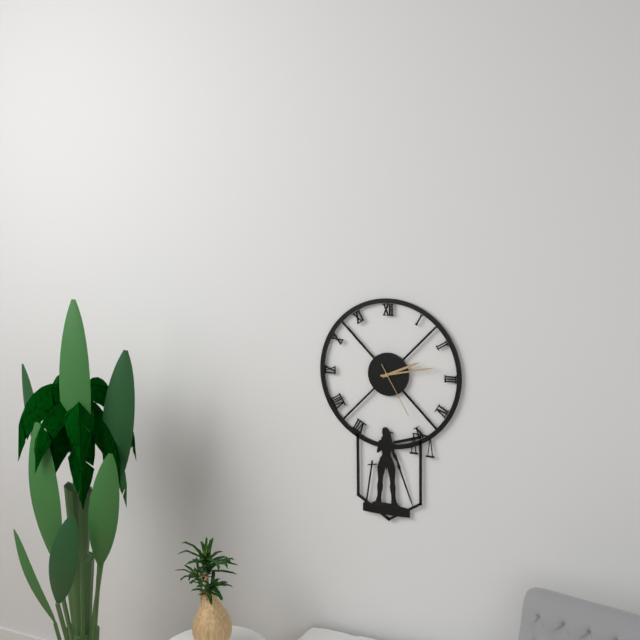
2:13:25
